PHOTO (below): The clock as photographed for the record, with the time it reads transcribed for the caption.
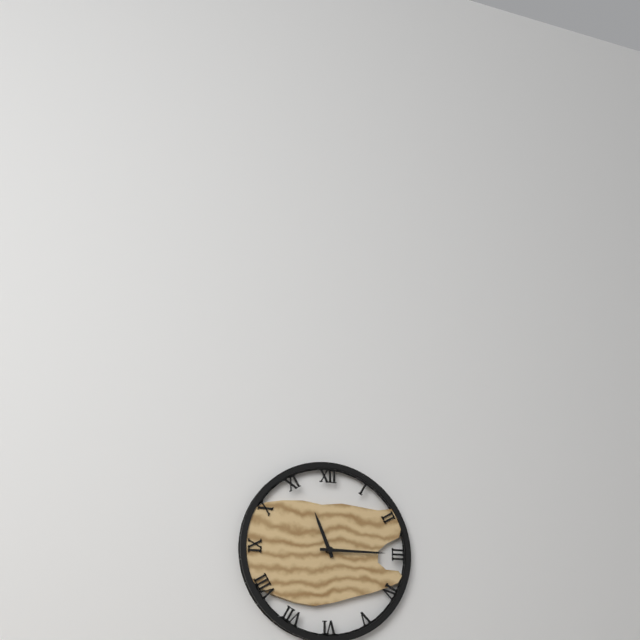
11:15
